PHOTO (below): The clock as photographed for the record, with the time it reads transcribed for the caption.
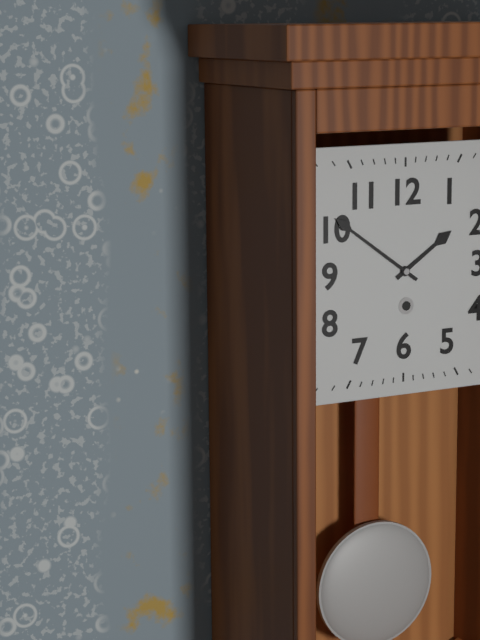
1:51
